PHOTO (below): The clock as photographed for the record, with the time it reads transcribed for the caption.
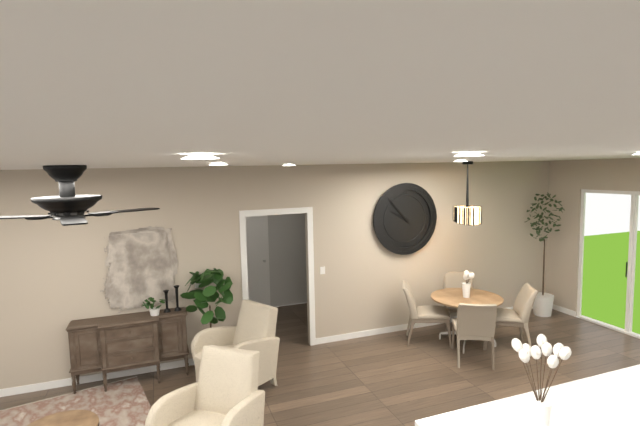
9:53
